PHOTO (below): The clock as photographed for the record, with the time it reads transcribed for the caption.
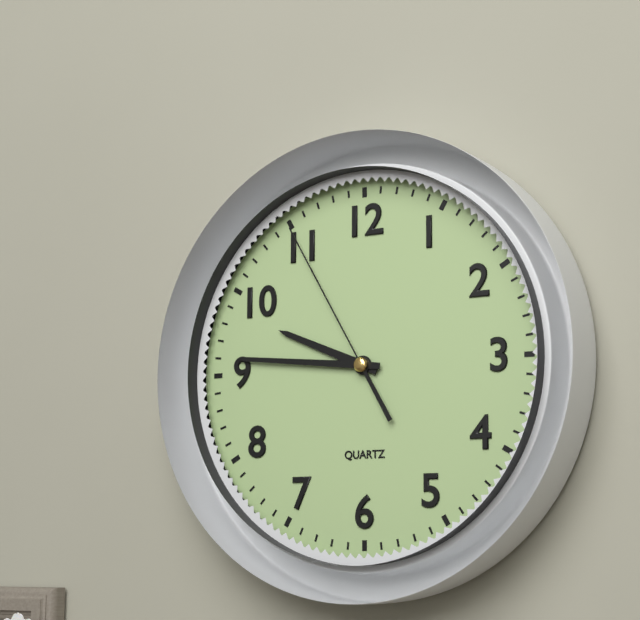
9:46:55
